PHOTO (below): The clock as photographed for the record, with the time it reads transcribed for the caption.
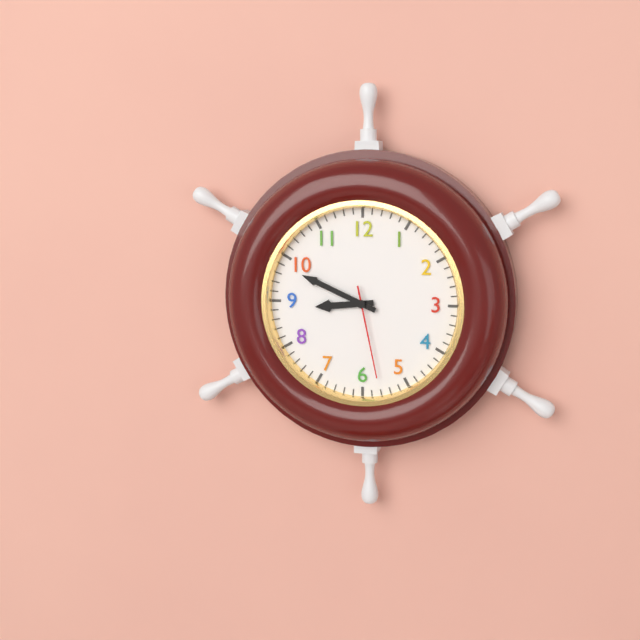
8:49:28
